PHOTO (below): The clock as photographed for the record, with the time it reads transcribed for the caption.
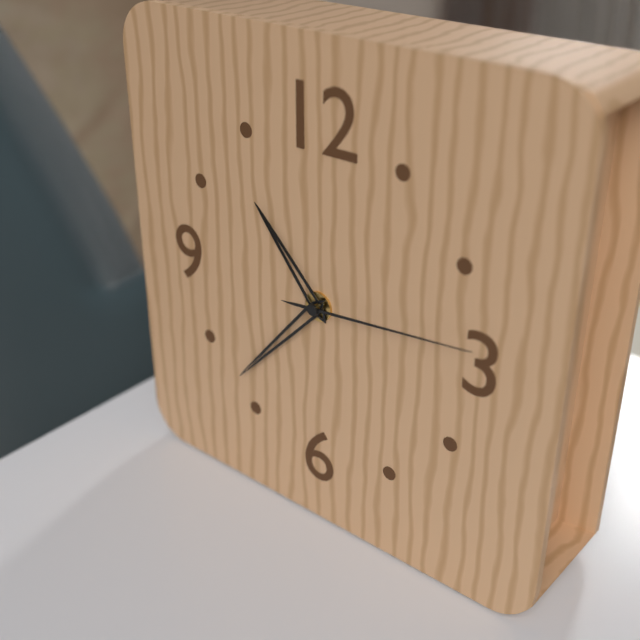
10:37:14
